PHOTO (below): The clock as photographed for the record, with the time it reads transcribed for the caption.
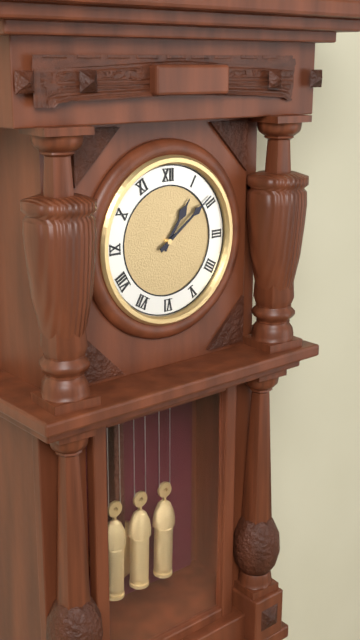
1:09
